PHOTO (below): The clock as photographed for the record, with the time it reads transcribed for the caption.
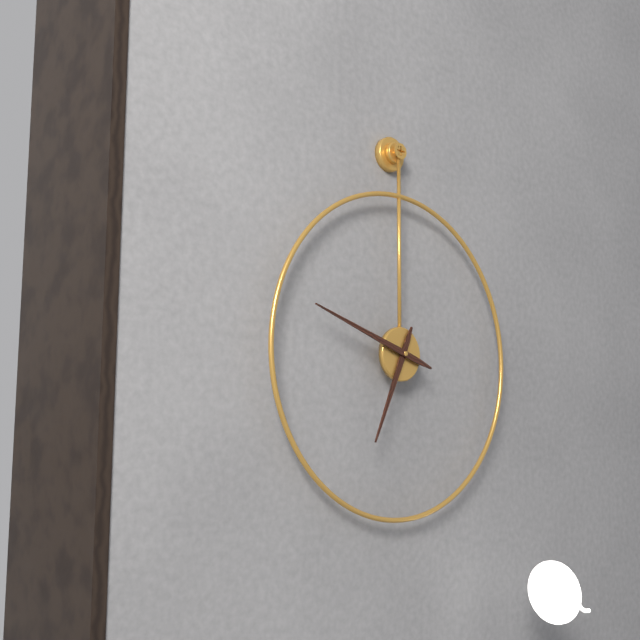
6:48
